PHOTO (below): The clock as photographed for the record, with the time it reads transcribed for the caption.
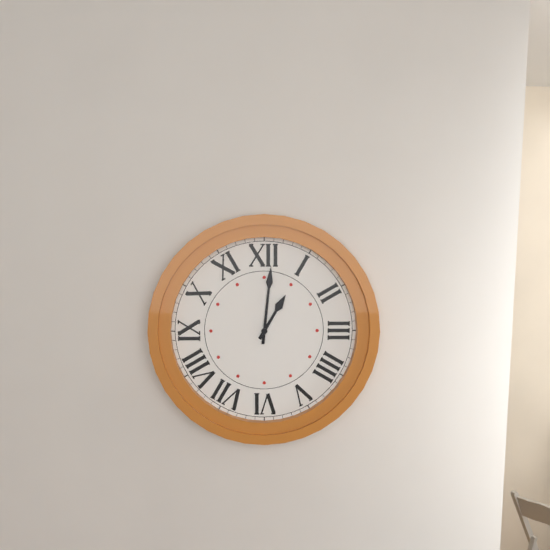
1:01
